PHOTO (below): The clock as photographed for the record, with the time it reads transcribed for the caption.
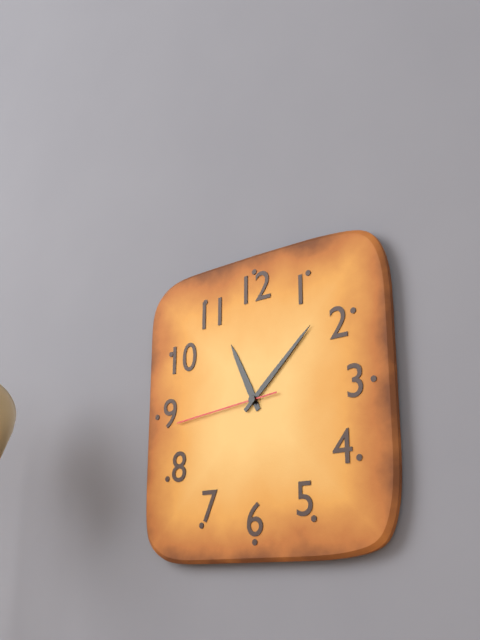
11:08:44
